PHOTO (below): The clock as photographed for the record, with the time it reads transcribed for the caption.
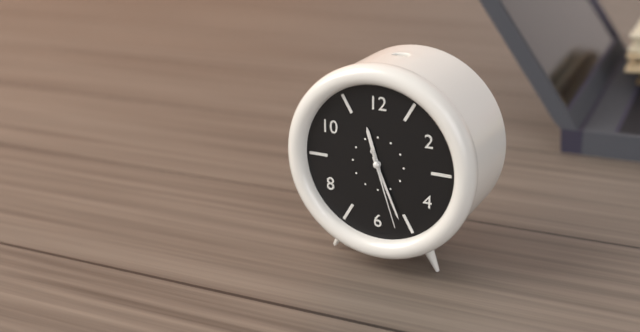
11:26:27
